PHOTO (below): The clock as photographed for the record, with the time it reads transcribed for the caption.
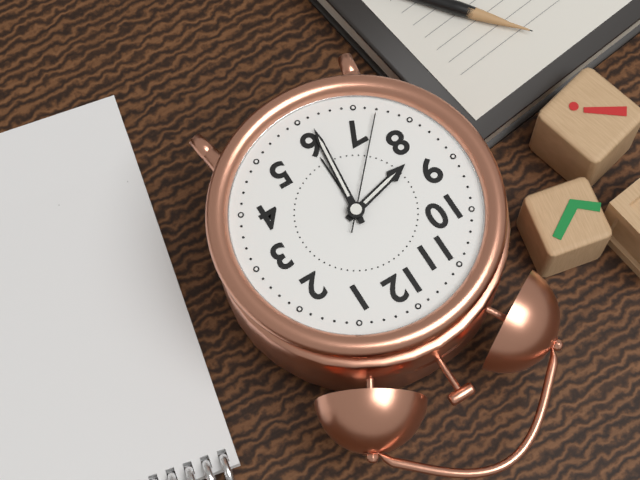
8:31:37
